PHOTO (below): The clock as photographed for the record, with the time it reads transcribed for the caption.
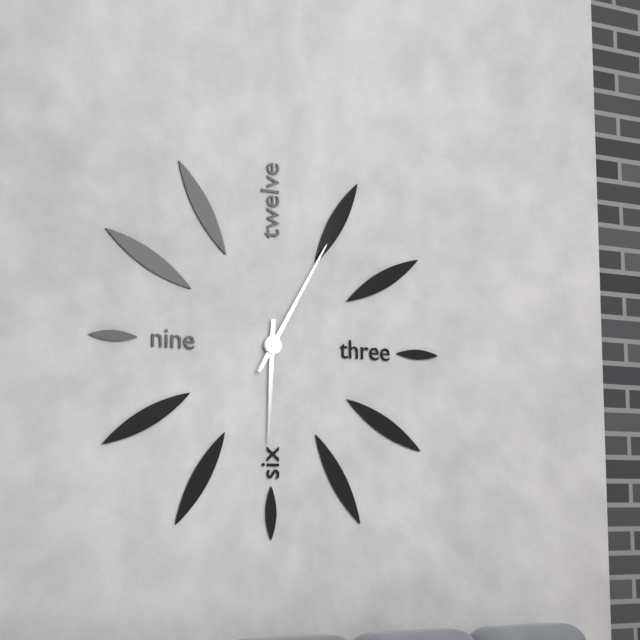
6:05
